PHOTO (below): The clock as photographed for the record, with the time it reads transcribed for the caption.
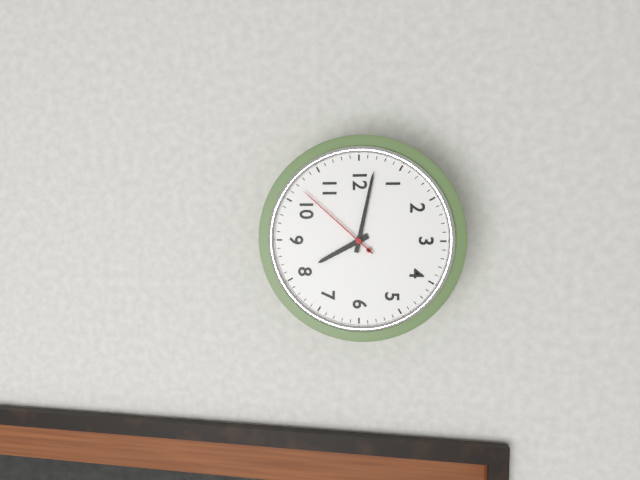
8:02:52
